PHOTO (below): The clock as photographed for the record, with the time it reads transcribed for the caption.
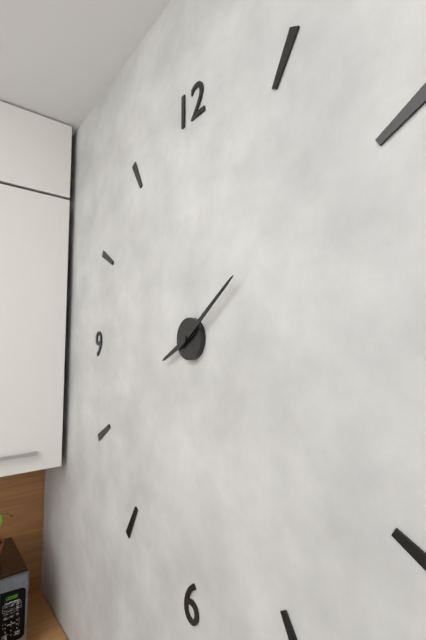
8:09
